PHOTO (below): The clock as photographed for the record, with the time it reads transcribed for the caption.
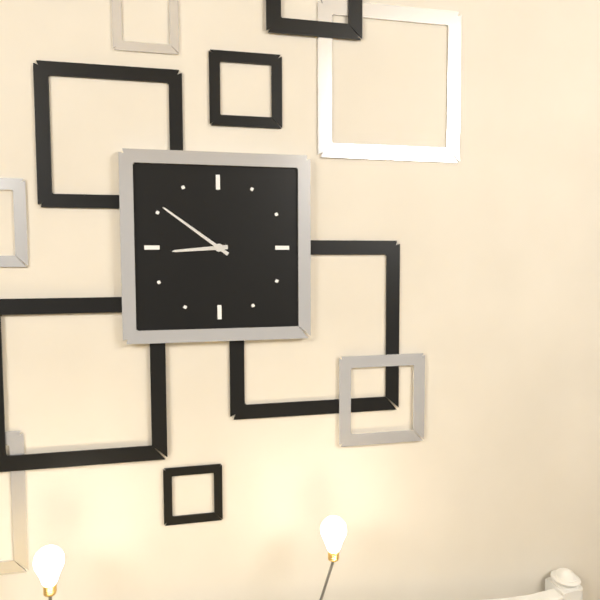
8:51
